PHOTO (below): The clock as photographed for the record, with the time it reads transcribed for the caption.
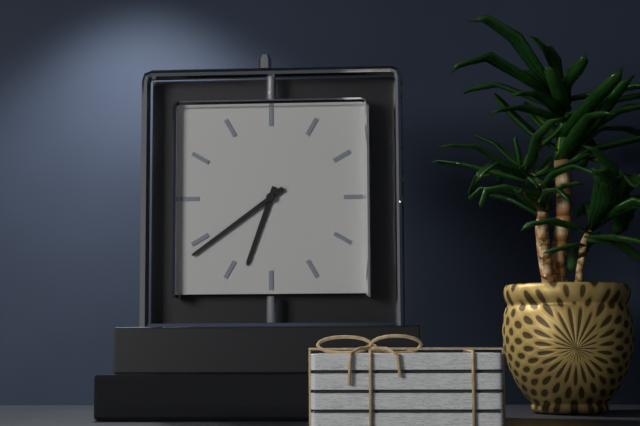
6:39
